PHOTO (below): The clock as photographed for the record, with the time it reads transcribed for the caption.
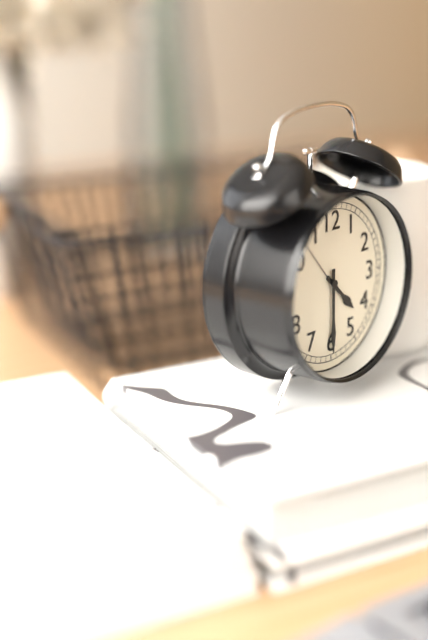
4:30
